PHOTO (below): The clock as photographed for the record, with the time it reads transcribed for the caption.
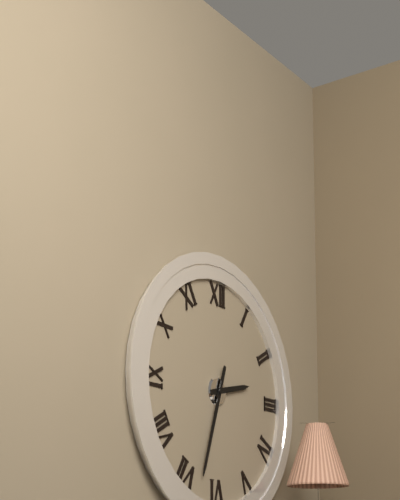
2:33
